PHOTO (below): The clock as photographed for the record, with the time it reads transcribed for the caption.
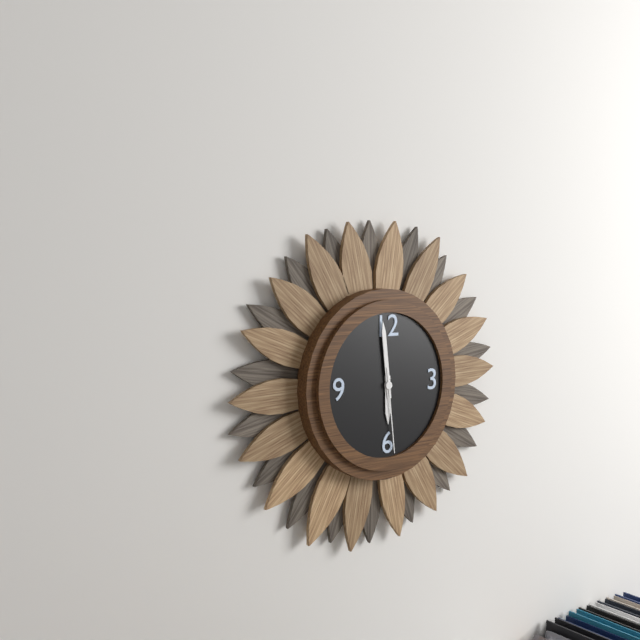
5:59:29
